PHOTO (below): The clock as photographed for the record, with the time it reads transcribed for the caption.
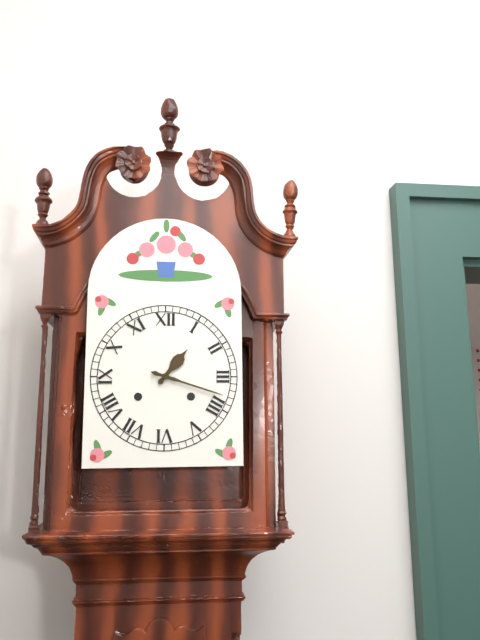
1:18
